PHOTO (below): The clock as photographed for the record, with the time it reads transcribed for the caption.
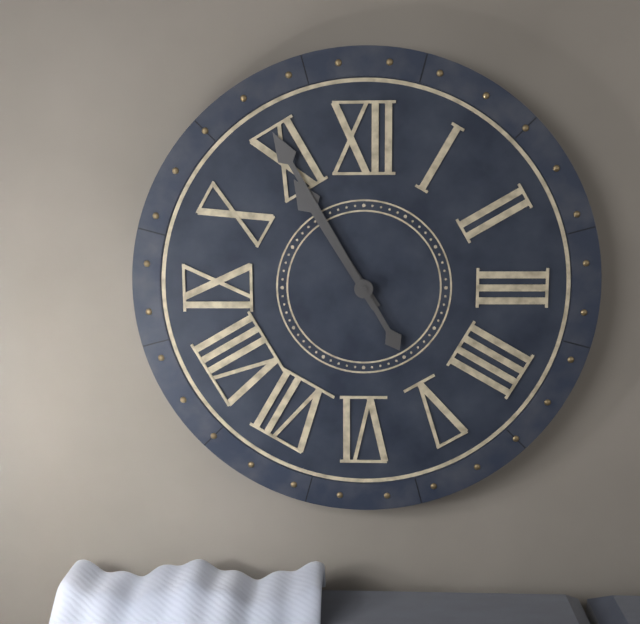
10:55
